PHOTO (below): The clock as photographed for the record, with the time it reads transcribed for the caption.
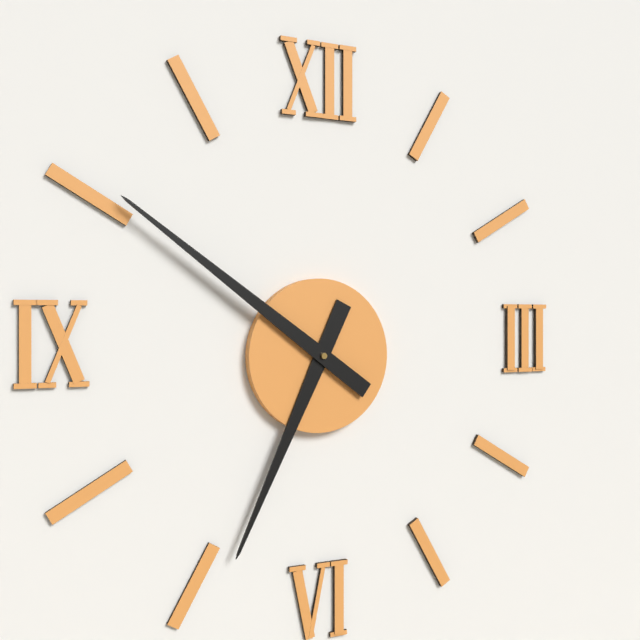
6:51
